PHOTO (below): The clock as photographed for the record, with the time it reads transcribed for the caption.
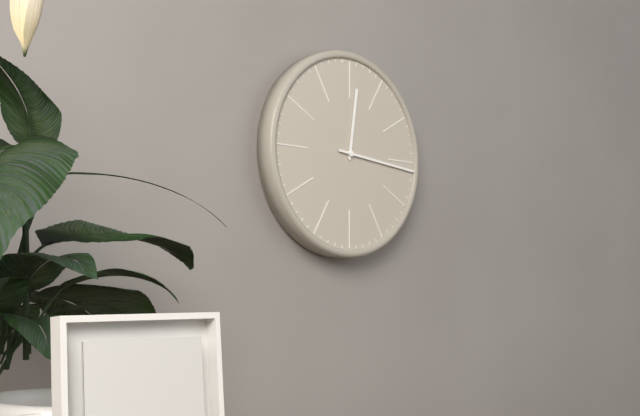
12:16
